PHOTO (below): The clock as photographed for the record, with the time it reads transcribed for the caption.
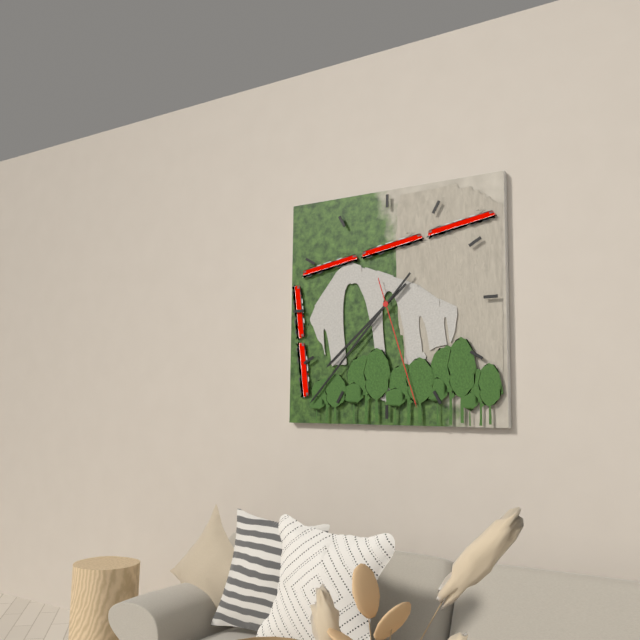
7:37:27
